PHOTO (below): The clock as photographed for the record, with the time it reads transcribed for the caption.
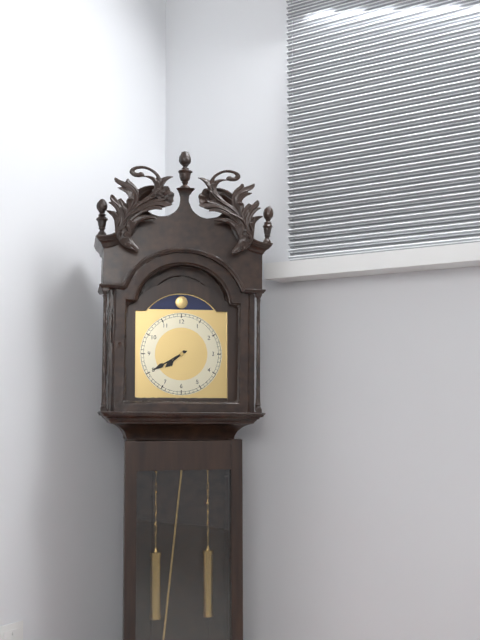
7:40
